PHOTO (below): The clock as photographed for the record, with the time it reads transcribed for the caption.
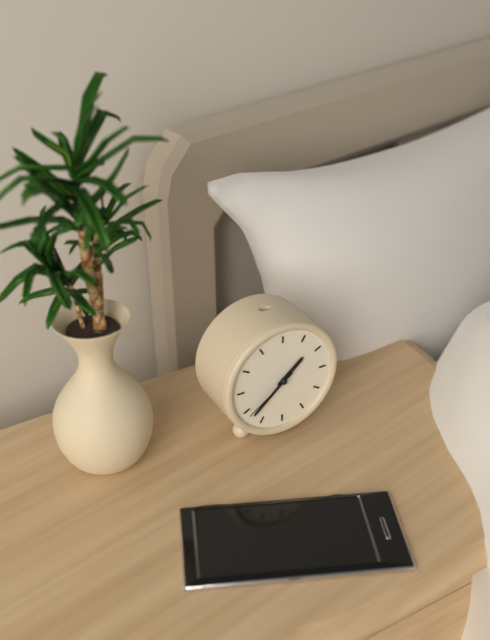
1:38:39
